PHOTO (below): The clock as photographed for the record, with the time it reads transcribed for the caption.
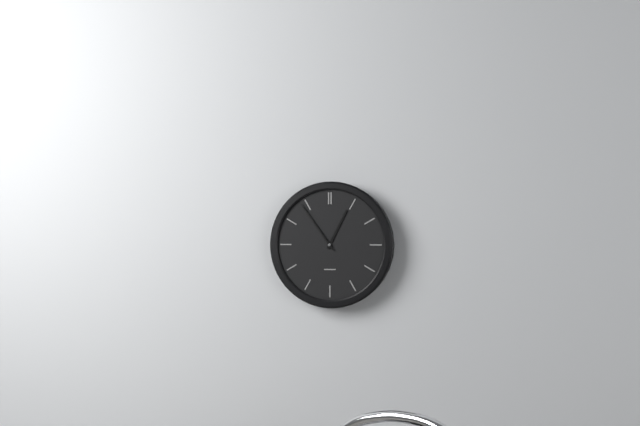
12:54
